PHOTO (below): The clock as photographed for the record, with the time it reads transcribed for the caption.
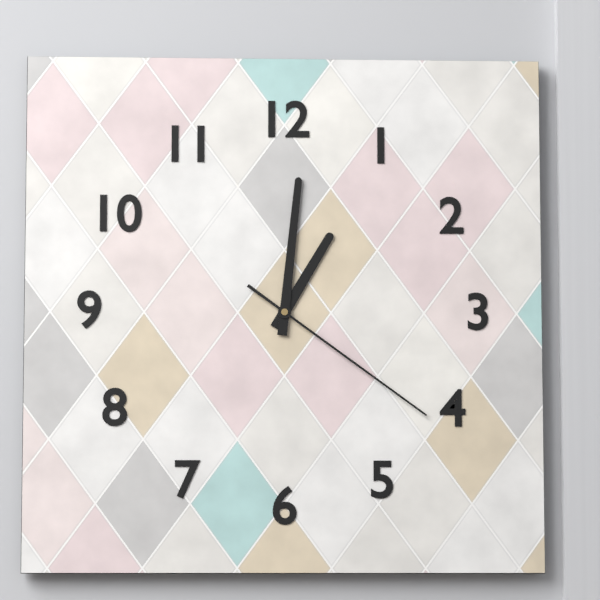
1:01:21
